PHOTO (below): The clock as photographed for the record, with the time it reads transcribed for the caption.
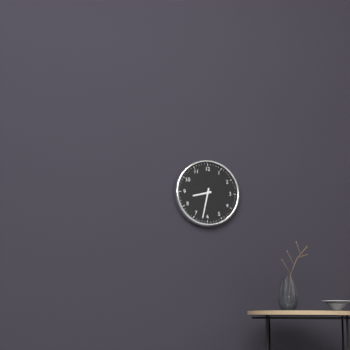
8:32
